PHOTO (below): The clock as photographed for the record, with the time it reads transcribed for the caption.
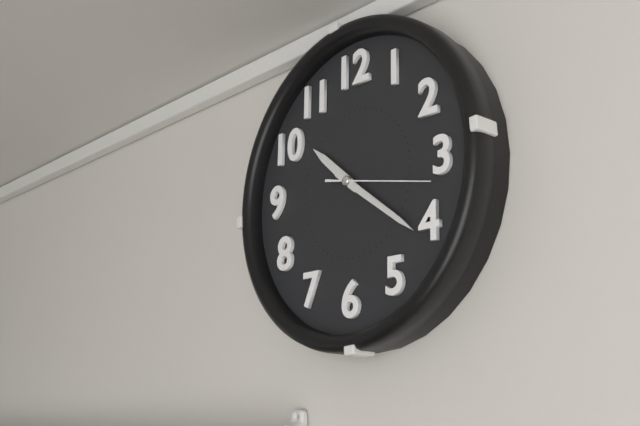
10:21:17
